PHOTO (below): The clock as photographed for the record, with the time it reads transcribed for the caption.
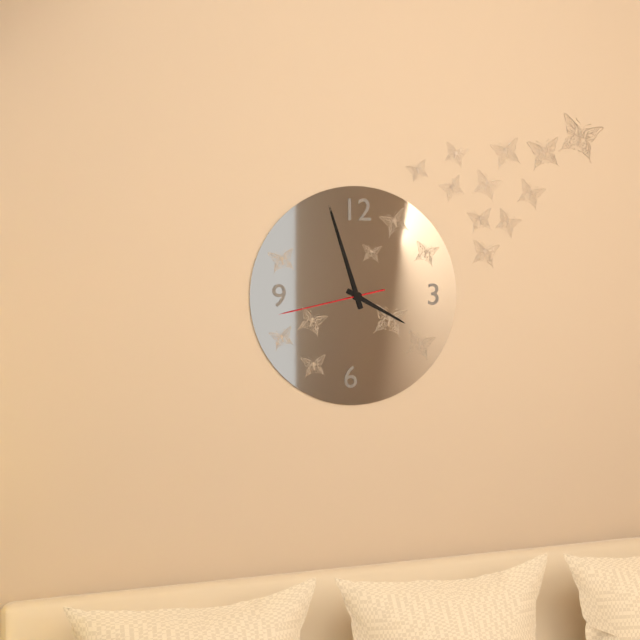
3:57:43
